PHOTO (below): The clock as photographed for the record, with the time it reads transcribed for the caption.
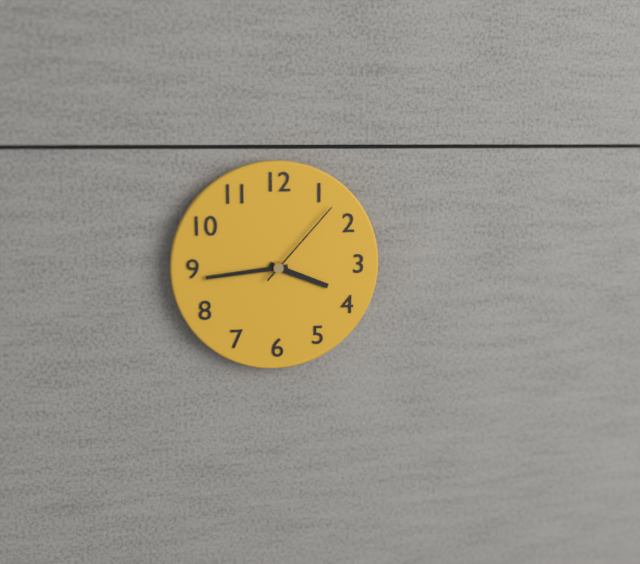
3:44:07
